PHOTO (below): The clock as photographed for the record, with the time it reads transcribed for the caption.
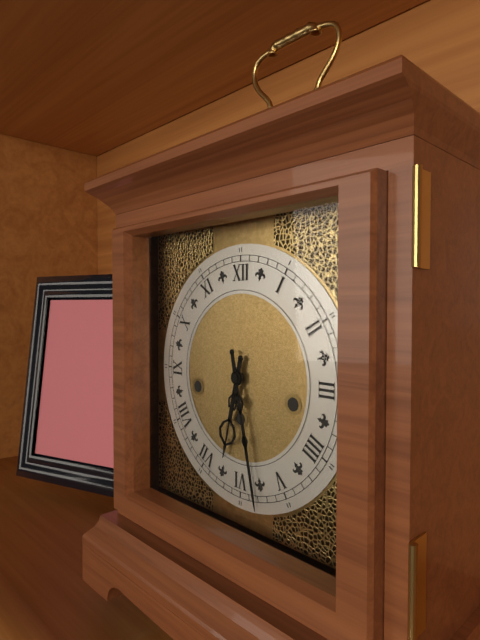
6:28
